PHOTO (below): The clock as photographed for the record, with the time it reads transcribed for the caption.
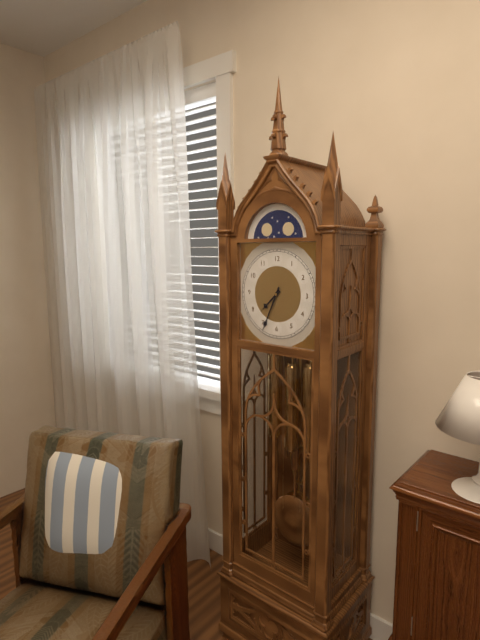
7:34
